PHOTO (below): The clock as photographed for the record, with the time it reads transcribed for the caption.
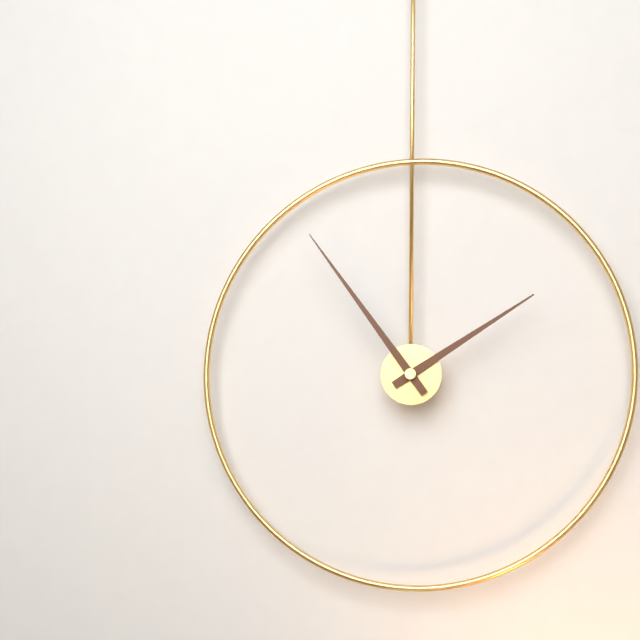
1:54
